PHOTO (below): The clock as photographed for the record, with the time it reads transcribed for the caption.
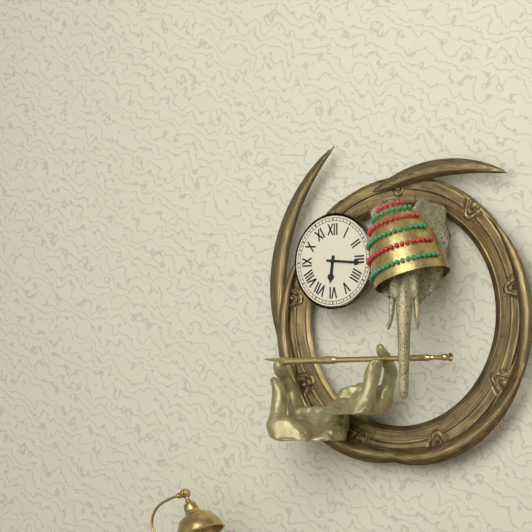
6:16
